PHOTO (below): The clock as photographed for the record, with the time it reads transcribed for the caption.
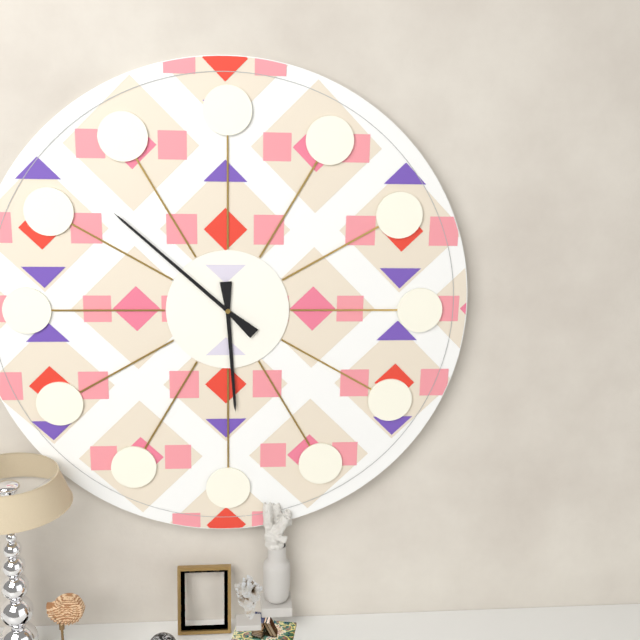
5:52
